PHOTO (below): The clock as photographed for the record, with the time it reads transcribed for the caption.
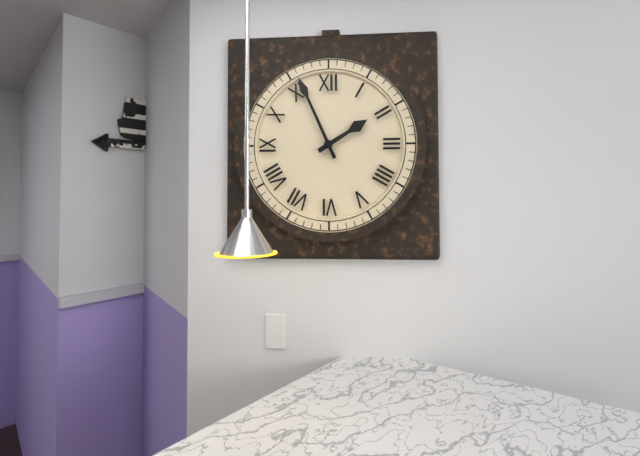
1:56
